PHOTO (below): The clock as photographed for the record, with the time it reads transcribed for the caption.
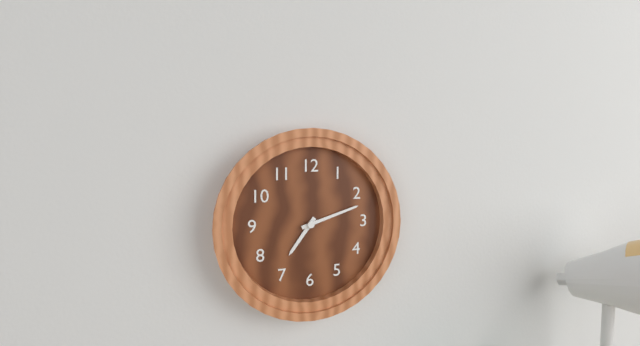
7:12
